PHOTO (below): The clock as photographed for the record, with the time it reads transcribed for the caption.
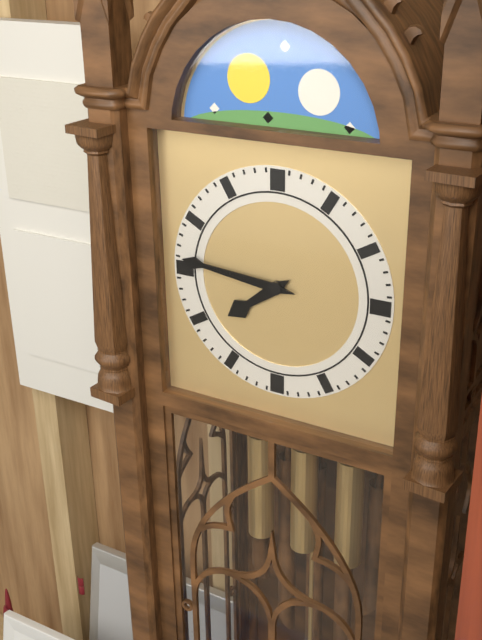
7:46
